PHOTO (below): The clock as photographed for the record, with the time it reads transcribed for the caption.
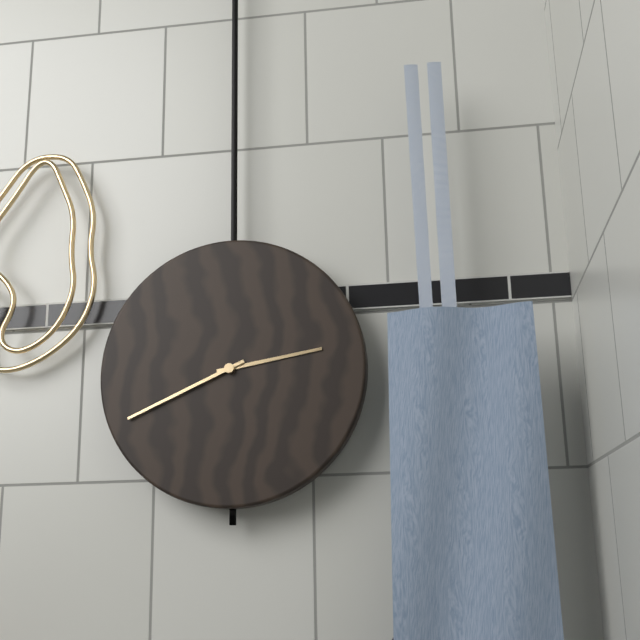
2:41
